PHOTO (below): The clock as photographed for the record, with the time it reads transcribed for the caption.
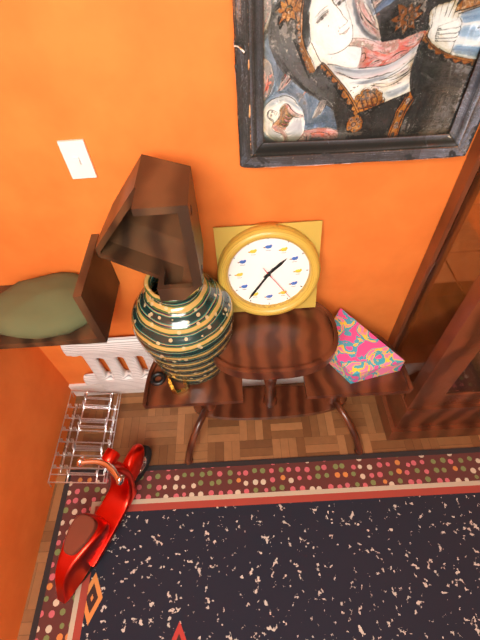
1:36
